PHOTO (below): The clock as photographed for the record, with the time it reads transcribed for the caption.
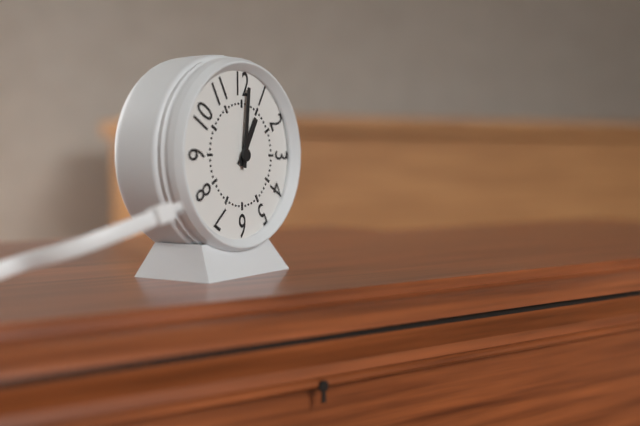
1:01
